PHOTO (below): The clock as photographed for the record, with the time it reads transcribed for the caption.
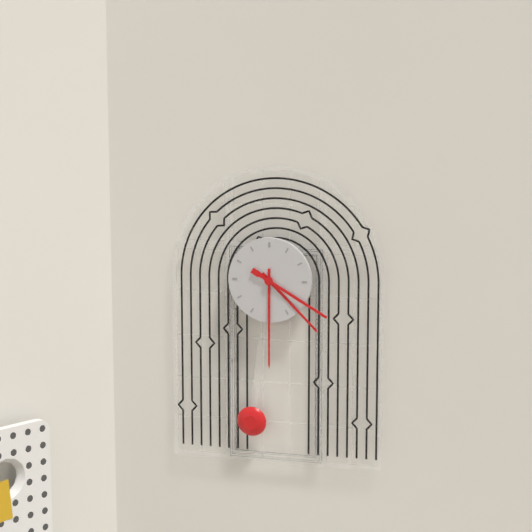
4:30:20
